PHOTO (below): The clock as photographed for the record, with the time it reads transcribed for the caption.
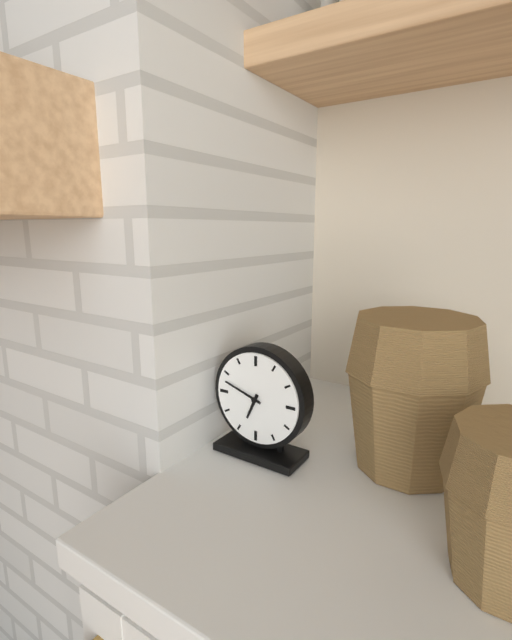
6:48
